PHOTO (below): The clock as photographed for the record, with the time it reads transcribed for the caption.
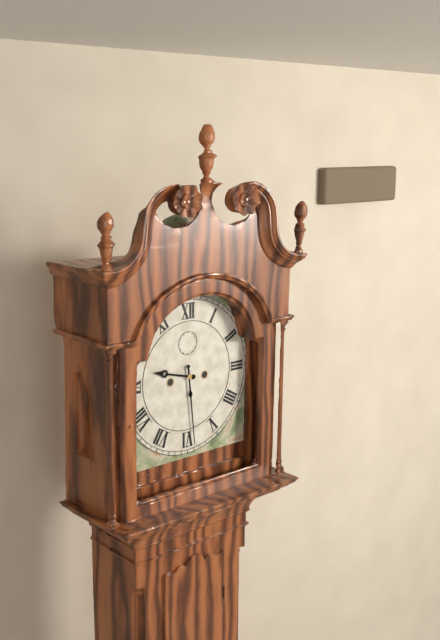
9:29
